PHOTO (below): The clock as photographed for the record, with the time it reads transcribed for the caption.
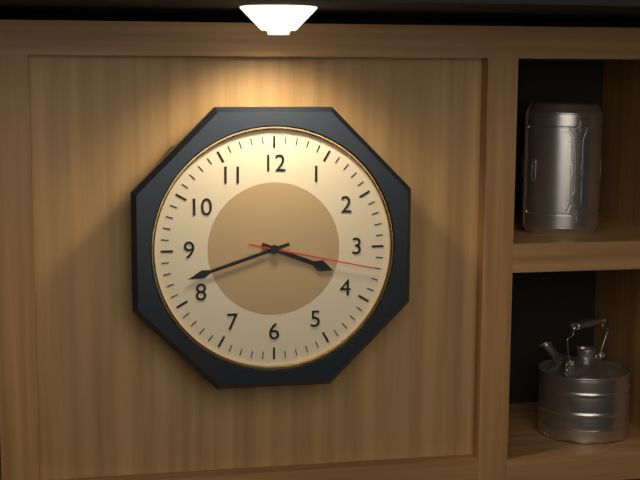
3:42:17
